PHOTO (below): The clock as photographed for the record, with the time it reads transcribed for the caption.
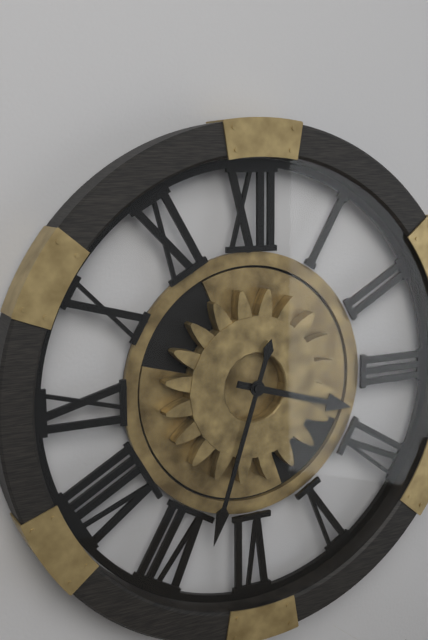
3:33
